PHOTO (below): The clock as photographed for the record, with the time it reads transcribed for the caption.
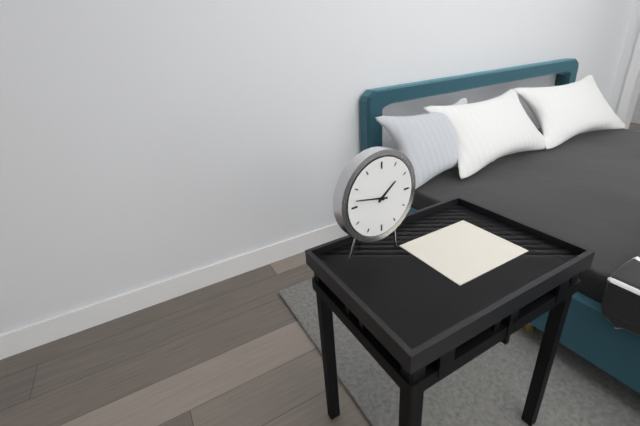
1:47
